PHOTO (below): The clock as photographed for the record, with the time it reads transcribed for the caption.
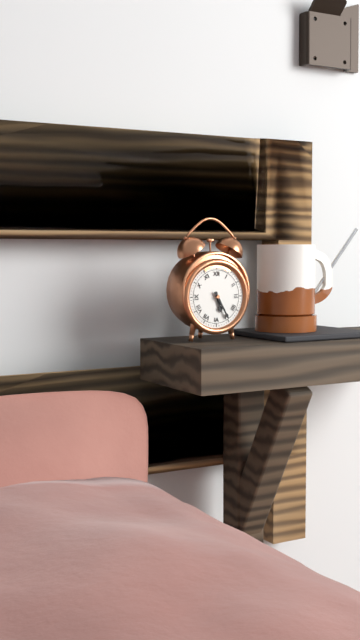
5:25
